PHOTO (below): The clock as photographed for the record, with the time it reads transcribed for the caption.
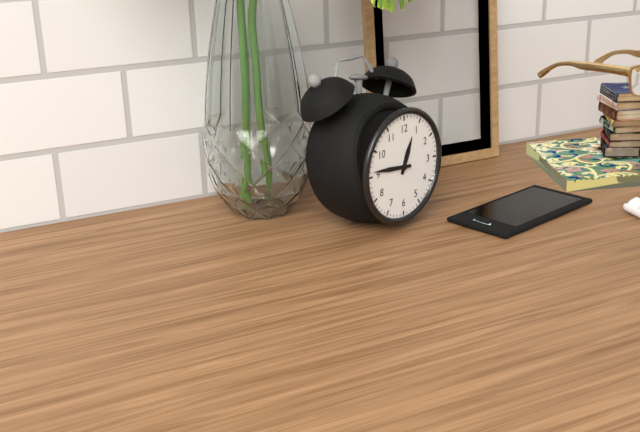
12:46
